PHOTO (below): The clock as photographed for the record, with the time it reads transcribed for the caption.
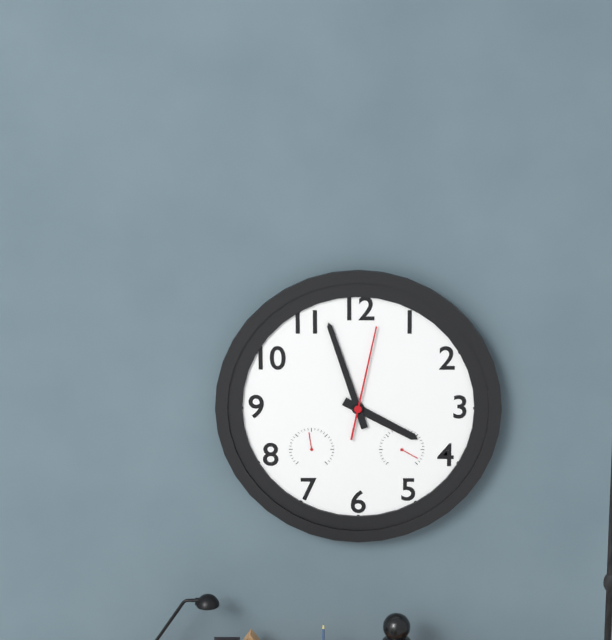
3:57:02
